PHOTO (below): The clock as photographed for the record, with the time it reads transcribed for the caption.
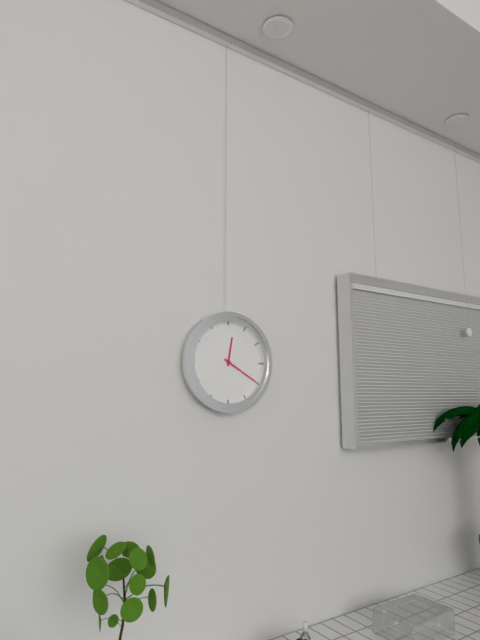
12:20
